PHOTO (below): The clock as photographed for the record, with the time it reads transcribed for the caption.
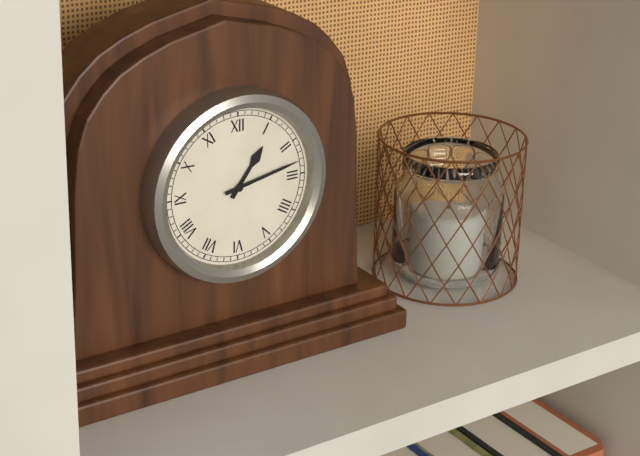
1:13
